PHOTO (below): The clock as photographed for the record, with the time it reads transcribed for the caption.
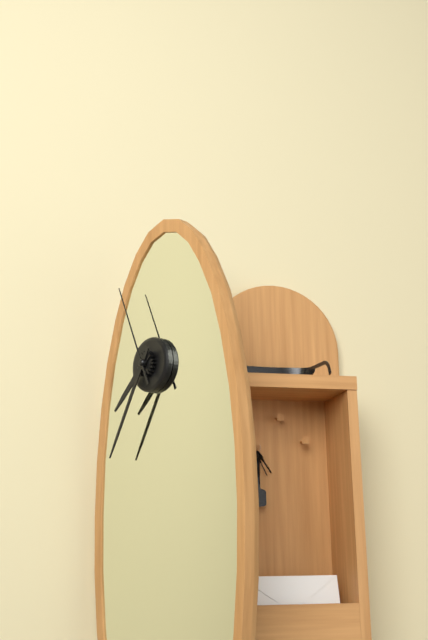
7:35:56
